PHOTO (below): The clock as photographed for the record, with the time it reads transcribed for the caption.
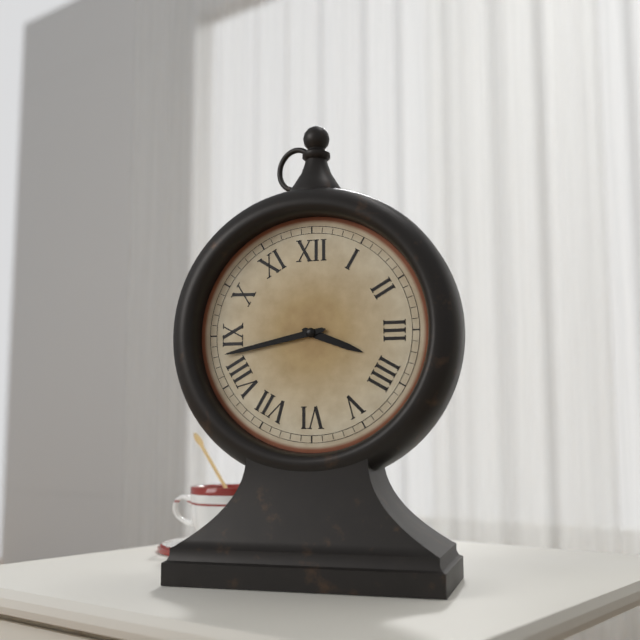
3:43
